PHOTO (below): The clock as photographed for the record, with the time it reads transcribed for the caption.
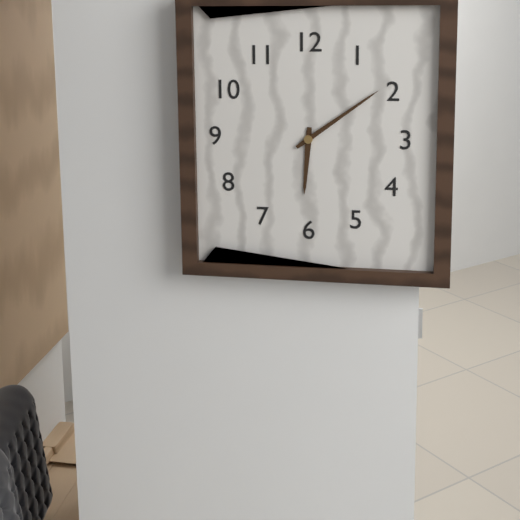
6:09
